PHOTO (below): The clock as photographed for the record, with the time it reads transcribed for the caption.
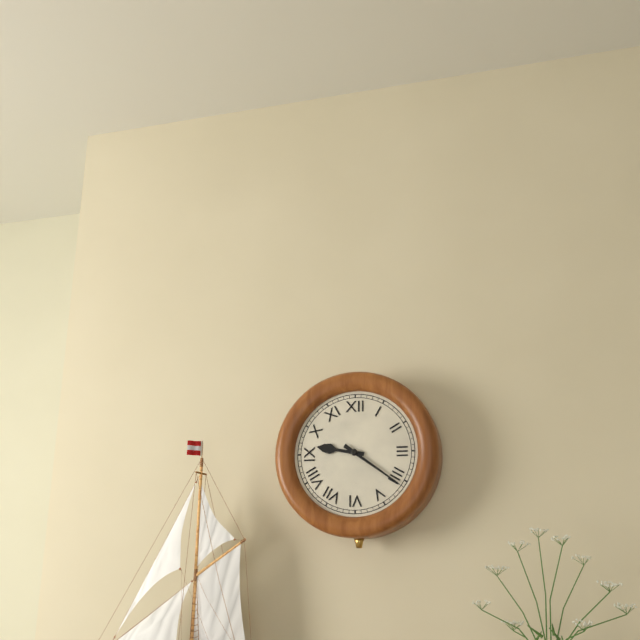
9:21
